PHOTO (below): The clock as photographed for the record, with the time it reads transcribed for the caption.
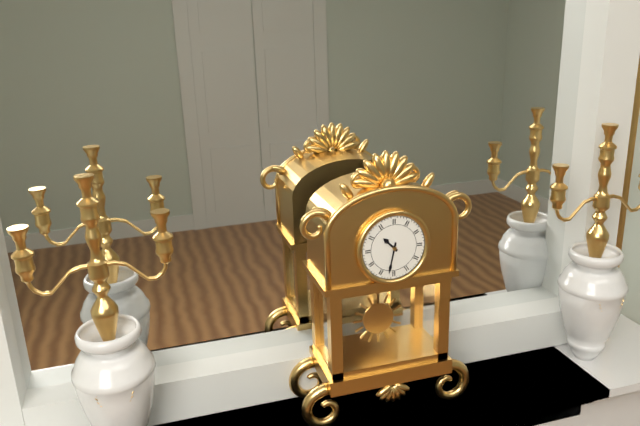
10:32
